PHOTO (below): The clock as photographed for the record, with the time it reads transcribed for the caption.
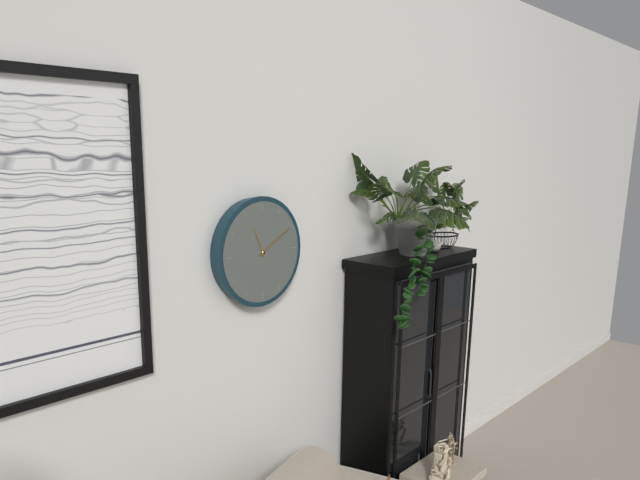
11:10
